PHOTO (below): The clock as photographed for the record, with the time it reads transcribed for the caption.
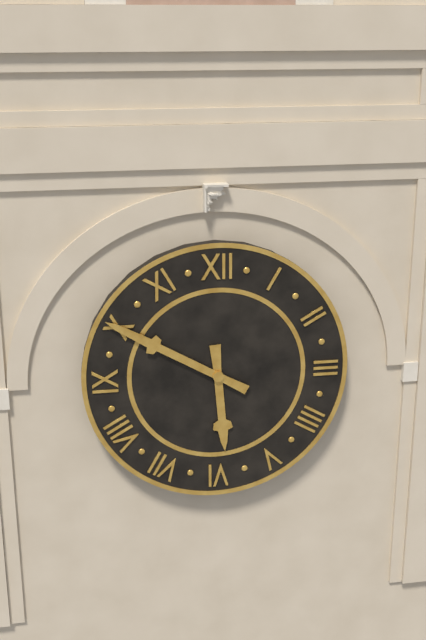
5:50
